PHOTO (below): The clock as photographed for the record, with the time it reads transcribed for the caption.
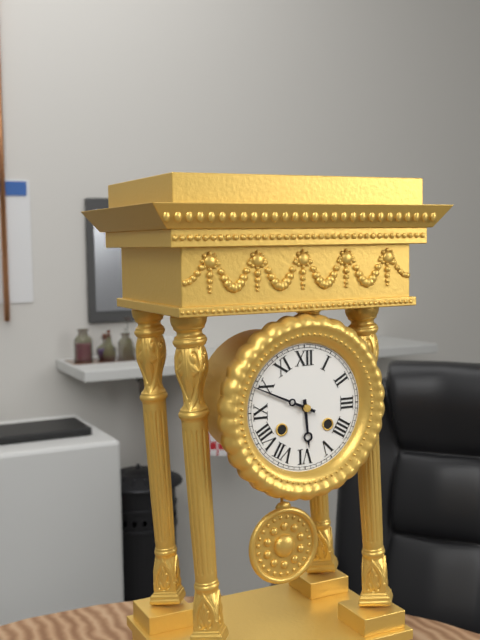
5:49
